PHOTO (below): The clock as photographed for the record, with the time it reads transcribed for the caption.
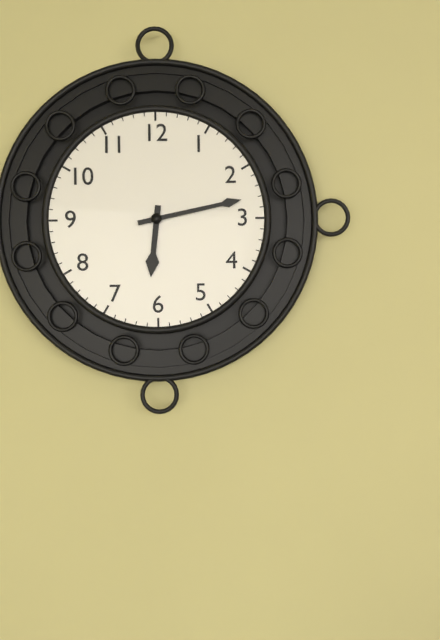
6:13
